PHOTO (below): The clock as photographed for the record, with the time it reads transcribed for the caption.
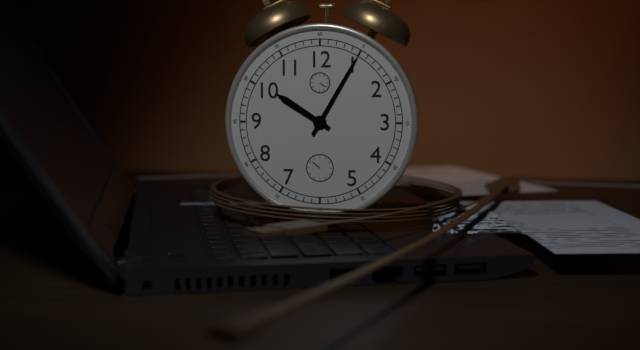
10:05
